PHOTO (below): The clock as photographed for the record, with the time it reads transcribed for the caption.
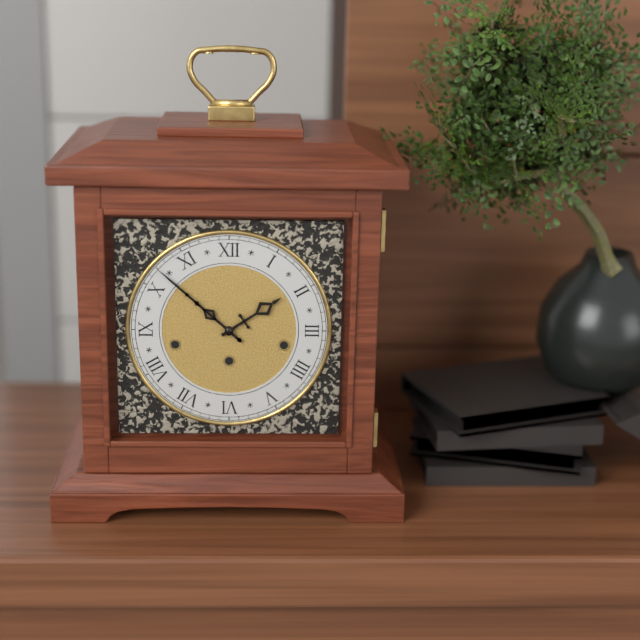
1:52
